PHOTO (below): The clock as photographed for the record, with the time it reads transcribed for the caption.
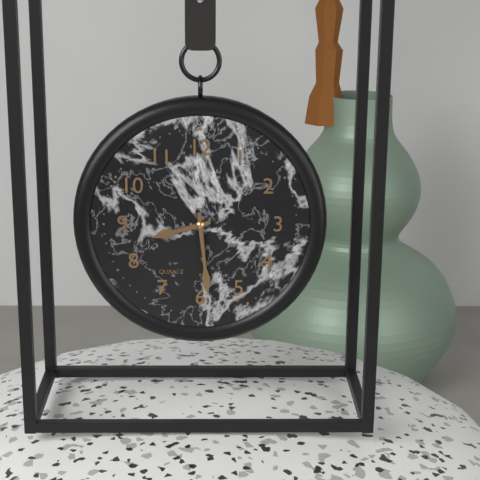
8:29
